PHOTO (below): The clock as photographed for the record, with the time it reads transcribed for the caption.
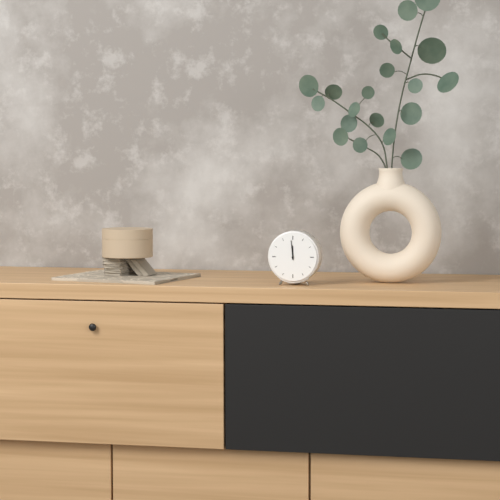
11:59
